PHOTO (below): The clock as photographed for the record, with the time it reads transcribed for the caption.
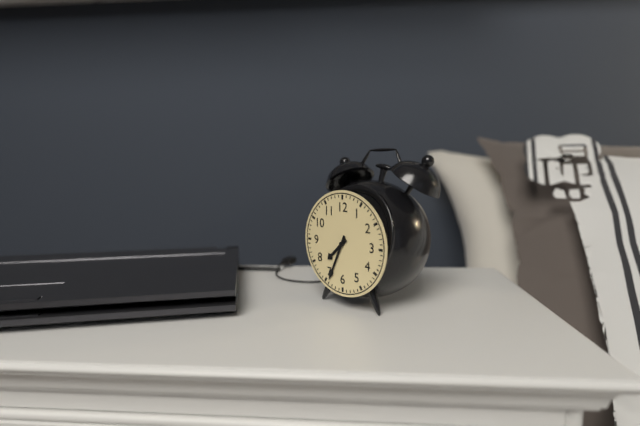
7:34
